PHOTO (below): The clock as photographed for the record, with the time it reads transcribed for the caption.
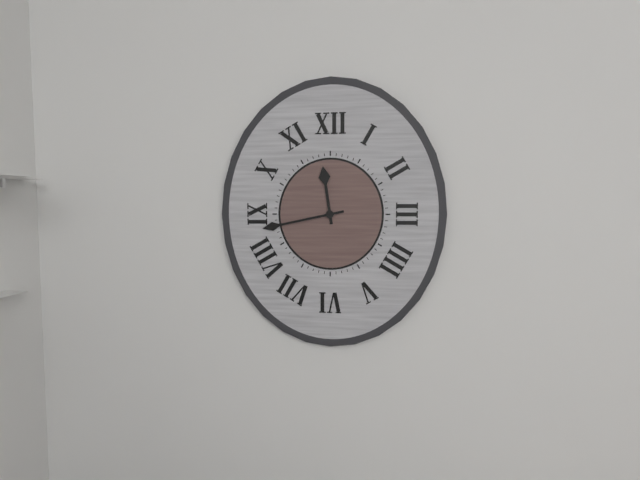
11:43
